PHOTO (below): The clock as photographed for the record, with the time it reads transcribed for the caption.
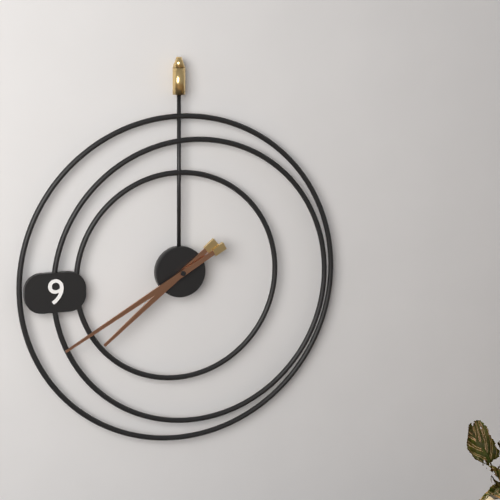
7:40
